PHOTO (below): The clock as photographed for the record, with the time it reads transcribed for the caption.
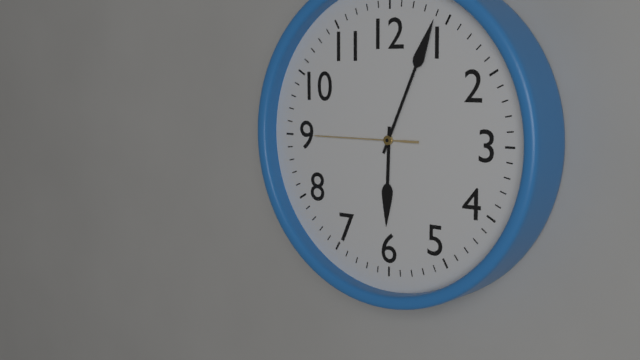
6:04:45
